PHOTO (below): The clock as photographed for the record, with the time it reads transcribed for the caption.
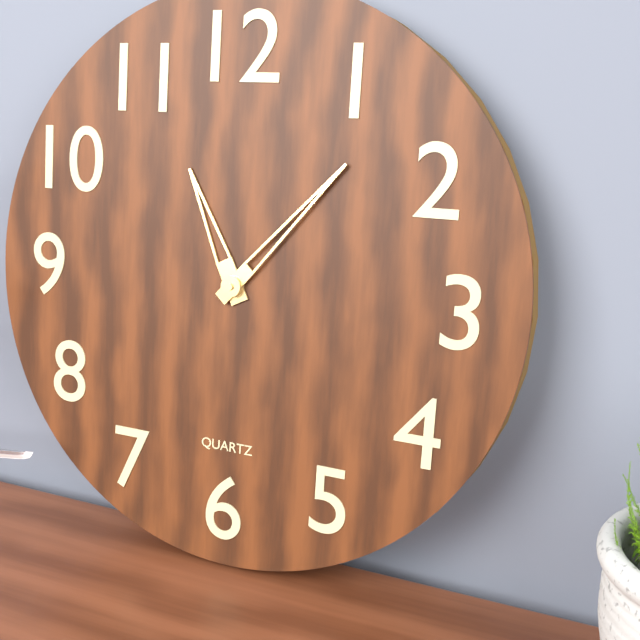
11:07
